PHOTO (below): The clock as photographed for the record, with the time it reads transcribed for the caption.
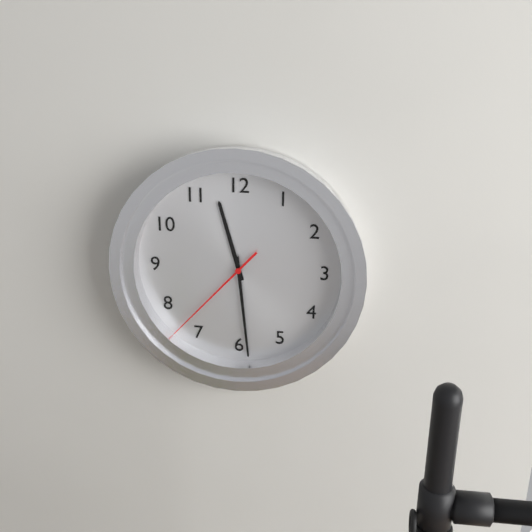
11:29:37
